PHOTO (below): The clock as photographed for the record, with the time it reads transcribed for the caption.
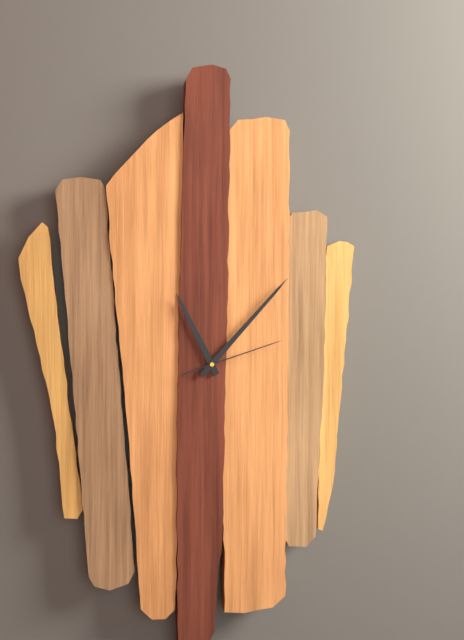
11:07:12
